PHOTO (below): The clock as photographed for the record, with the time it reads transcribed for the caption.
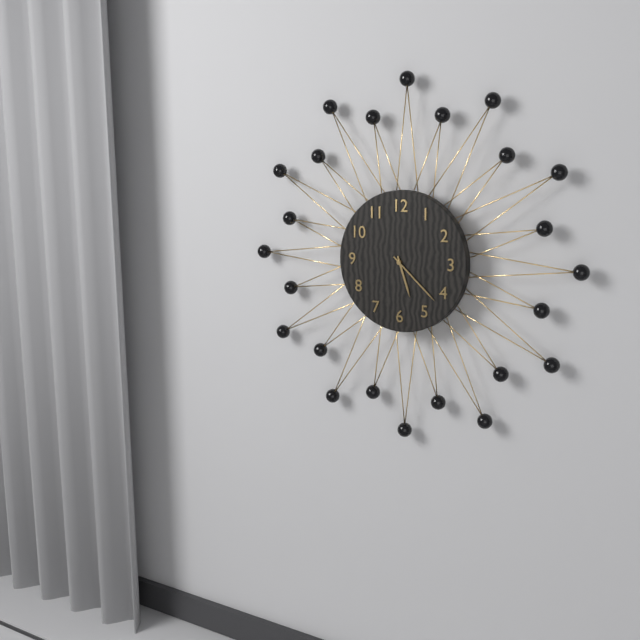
5:22
